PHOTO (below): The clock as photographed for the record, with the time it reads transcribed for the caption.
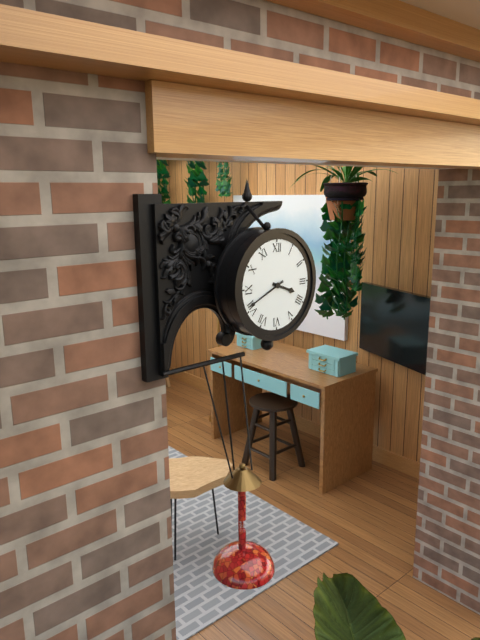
3:41
